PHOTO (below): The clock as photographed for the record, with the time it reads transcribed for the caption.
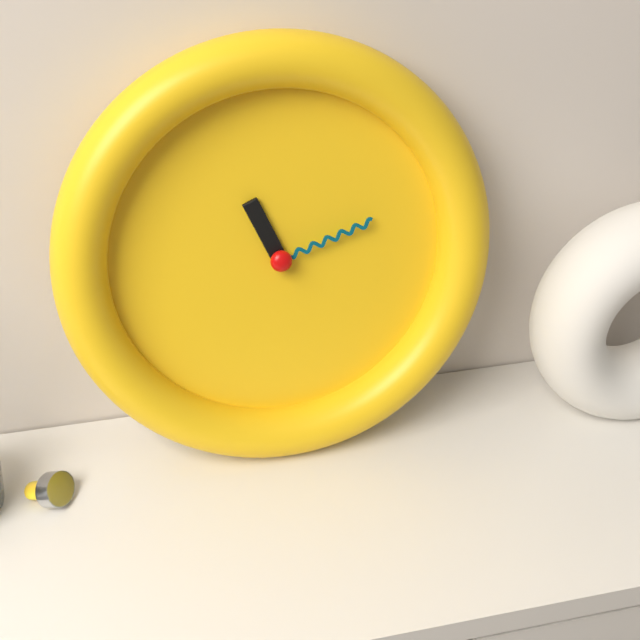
11:12
